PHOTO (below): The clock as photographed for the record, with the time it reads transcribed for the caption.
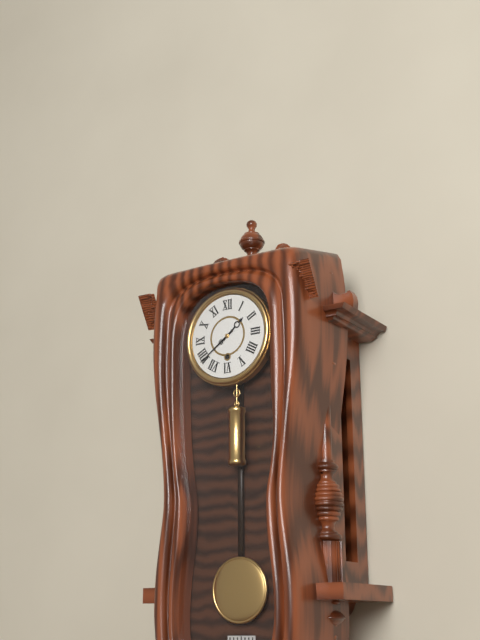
1:39
